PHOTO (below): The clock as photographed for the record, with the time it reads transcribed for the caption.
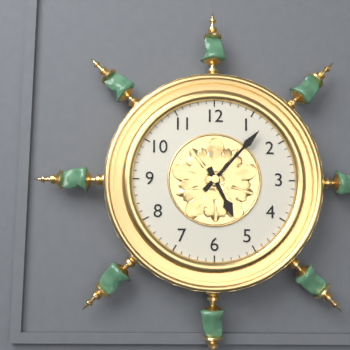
5:07
